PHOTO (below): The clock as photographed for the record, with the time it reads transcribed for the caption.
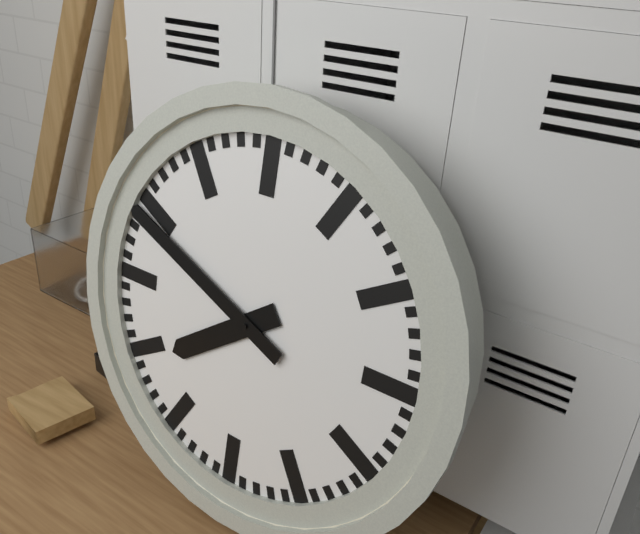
7:49
